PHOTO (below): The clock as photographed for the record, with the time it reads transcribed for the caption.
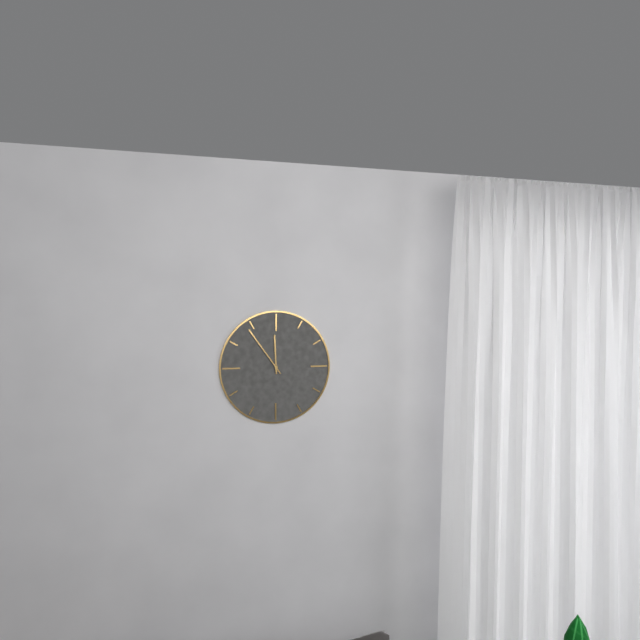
11:54
